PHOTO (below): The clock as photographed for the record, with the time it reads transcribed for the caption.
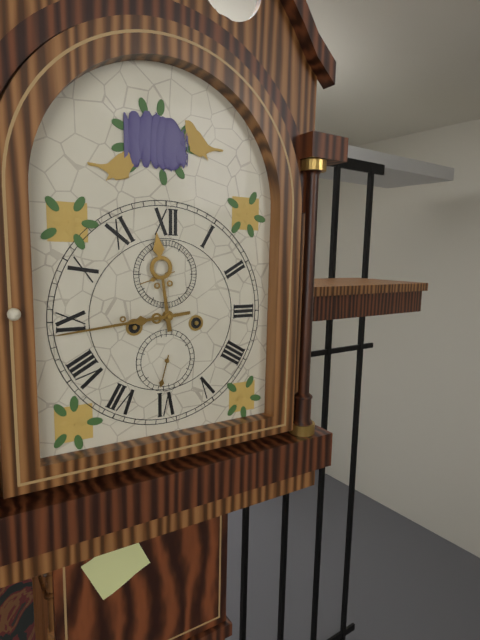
11:44
